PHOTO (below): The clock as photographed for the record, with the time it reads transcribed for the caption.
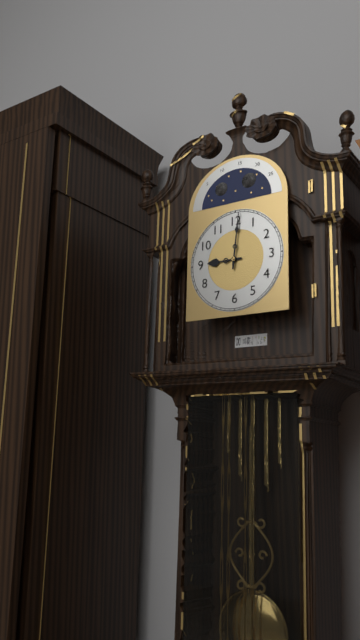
9:01
